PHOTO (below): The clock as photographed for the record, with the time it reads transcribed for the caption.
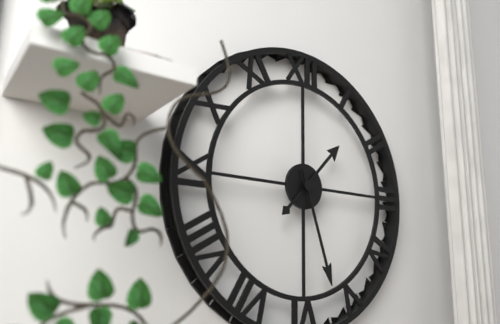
1:27
